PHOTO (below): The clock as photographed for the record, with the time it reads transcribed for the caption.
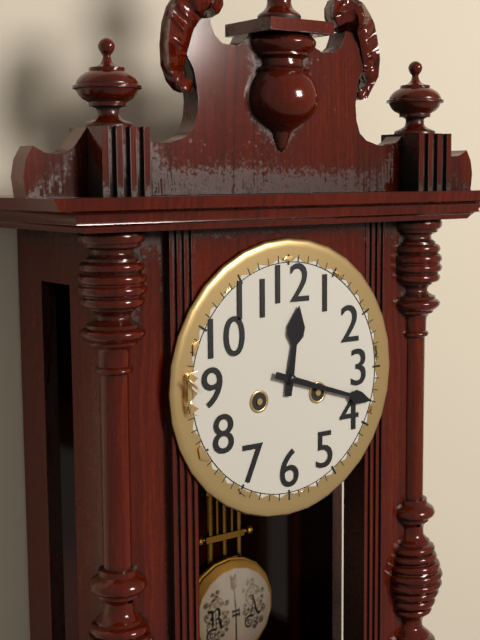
12:18
